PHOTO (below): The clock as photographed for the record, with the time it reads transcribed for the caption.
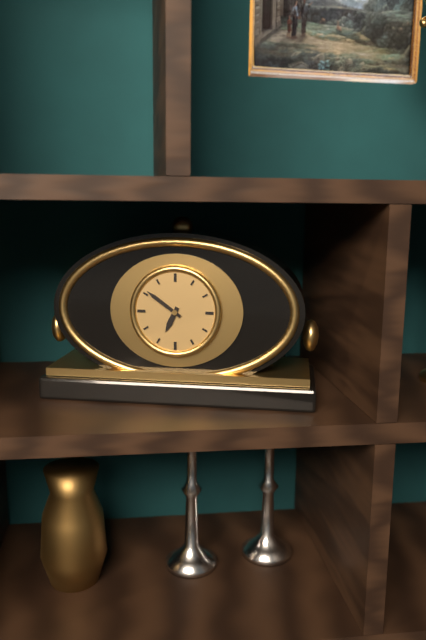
6:51
